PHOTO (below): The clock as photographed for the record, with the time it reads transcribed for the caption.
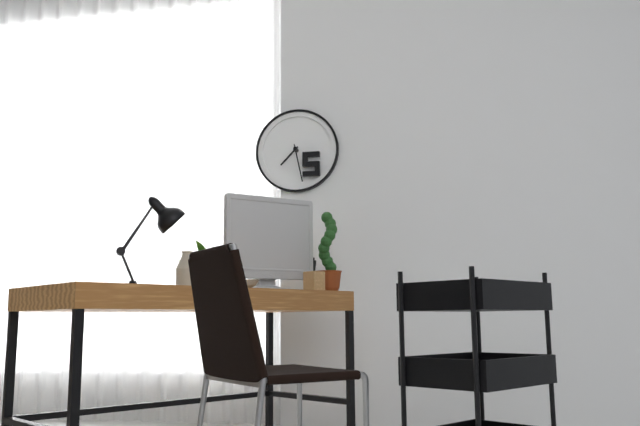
7:28
